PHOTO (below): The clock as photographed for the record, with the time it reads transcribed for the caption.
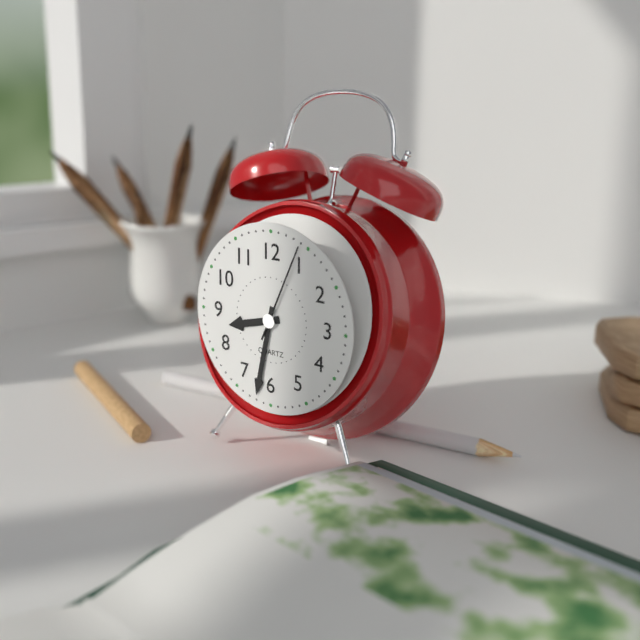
8:32:04
